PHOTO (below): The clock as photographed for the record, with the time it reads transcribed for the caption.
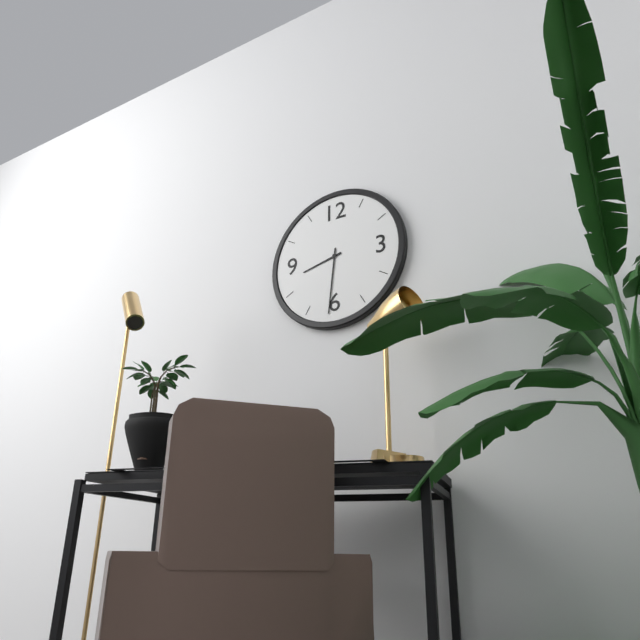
8:31
